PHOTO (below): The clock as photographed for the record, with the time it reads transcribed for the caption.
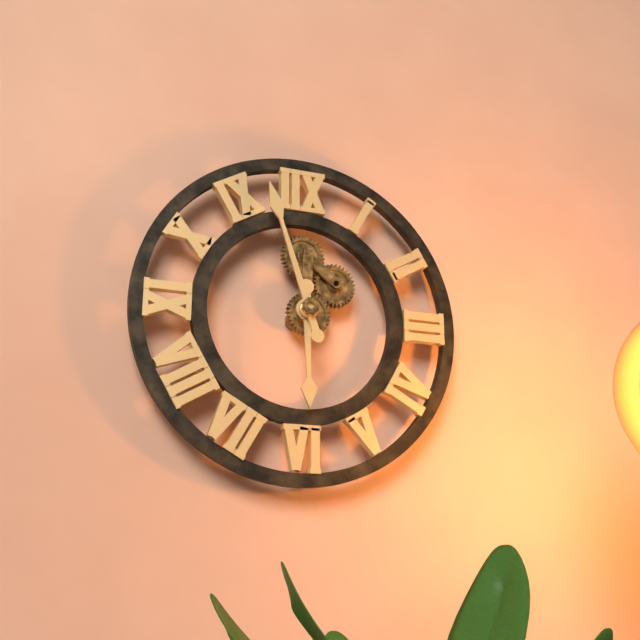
5:57
